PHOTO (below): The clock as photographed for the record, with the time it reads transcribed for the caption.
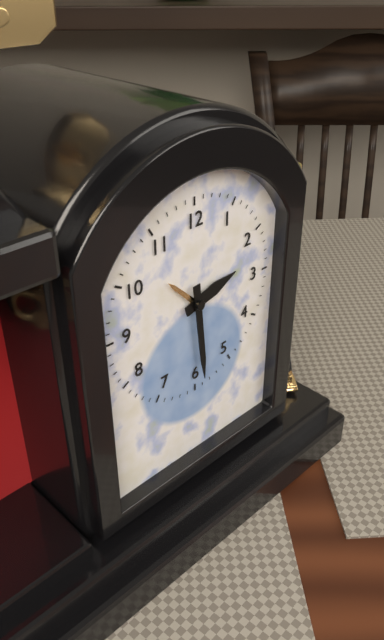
2:29
